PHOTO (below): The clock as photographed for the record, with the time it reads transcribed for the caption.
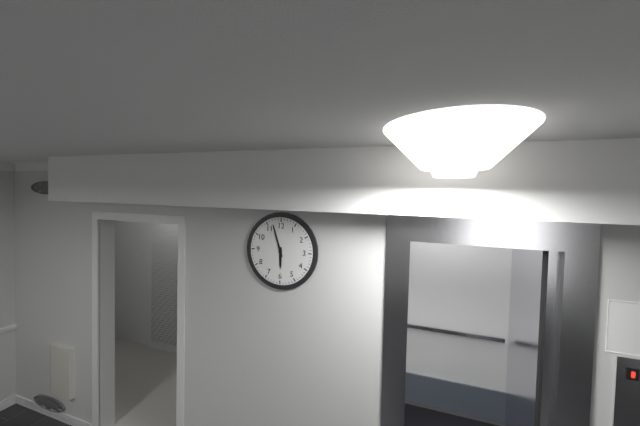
5:57
